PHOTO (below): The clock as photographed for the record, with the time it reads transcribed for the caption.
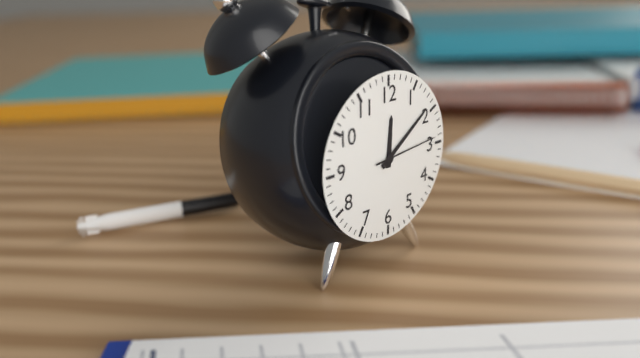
12:09:14
